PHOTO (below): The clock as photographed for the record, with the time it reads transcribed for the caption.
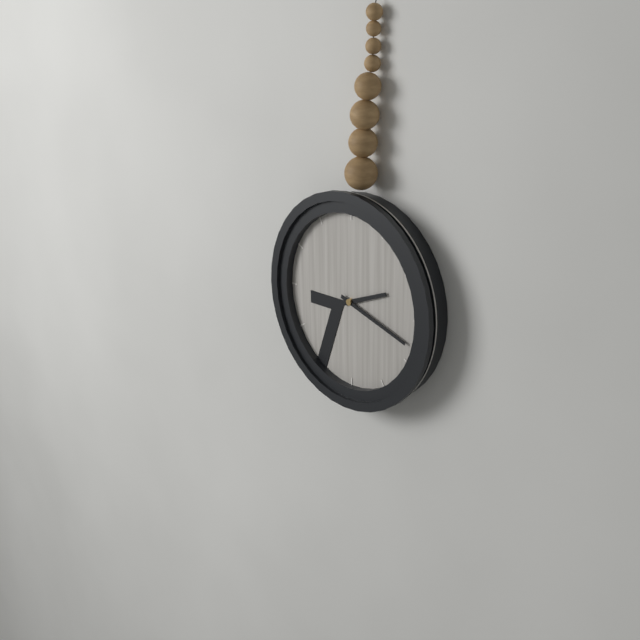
2:18
